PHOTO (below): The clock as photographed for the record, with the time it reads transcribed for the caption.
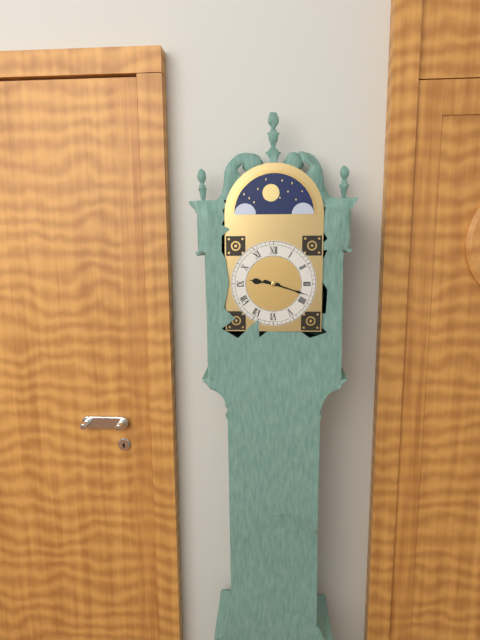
9:18
